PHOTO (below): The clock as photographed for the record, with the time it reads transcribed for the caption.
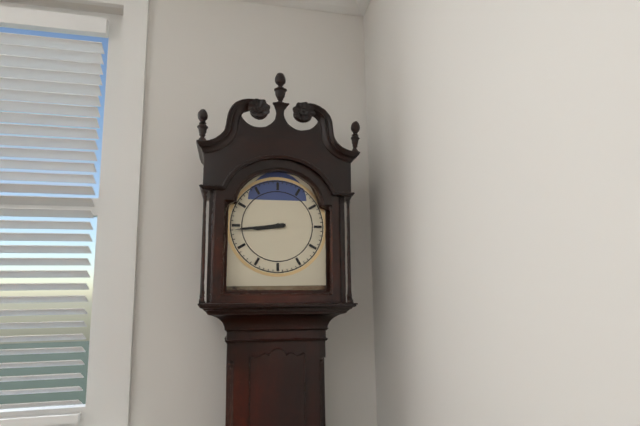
8:44
